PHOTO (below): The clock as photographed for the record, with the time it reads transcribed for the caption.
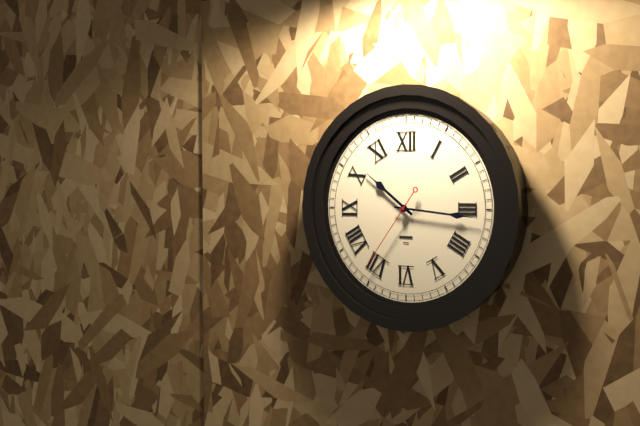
10:16:36
